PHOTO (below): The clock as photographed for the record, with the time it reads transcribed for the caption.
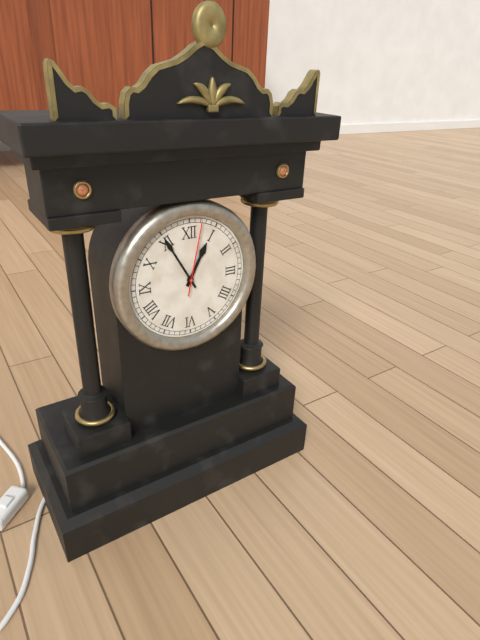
12:55:02
